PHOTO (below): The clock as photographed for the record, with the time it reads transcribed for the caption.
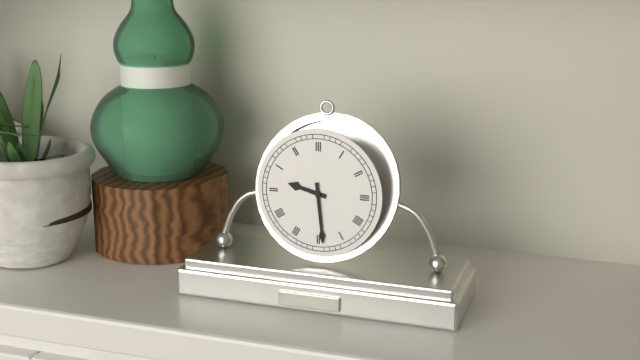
9:29
